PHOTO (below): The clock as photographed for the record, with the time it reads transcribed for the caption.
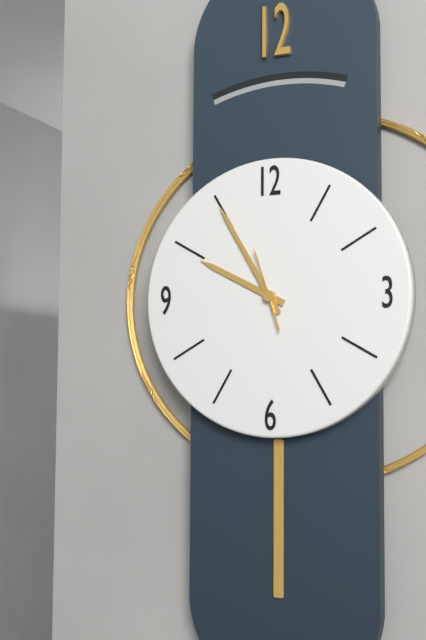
9:55:57
